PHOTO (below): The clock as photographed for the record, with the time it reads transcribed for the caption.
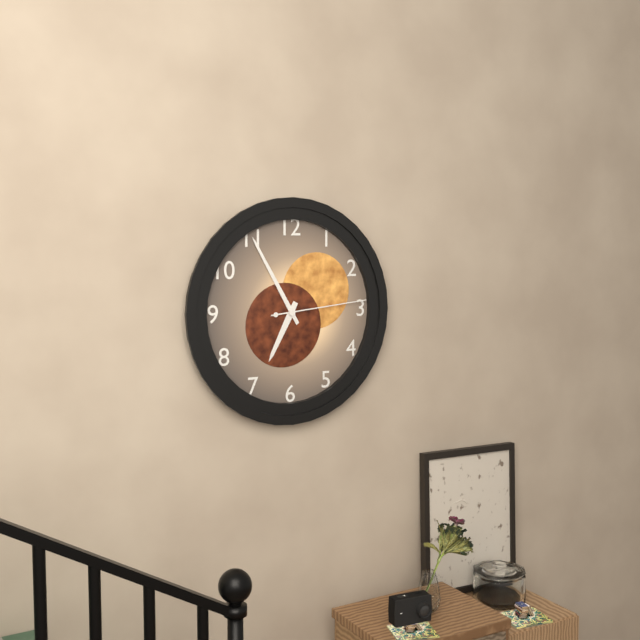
6:55:14
